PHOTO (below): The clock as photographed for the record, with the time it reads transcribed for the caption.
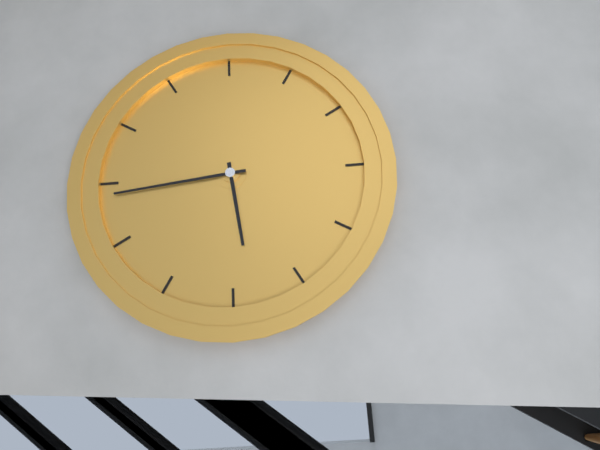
5:44
